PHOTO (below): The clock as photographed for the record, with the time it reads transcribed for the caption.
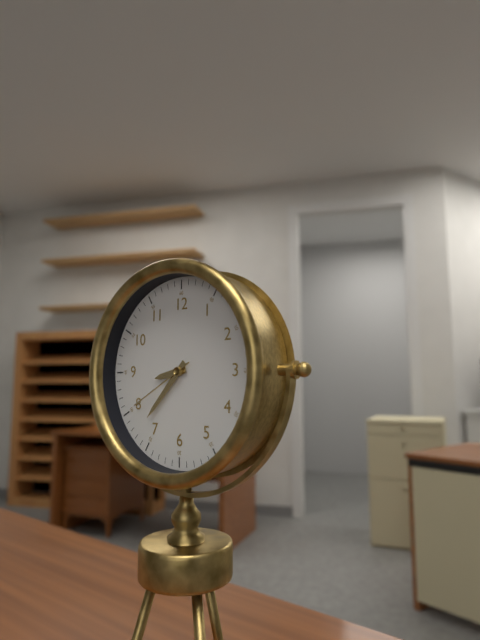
8:37:40
